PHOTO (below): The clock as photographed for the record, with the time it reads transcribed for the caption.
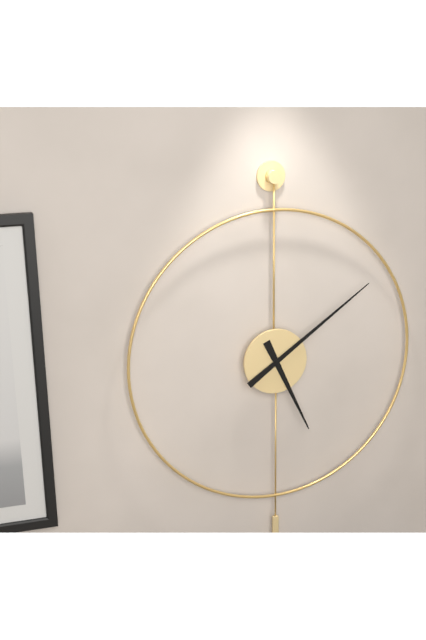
5:09
